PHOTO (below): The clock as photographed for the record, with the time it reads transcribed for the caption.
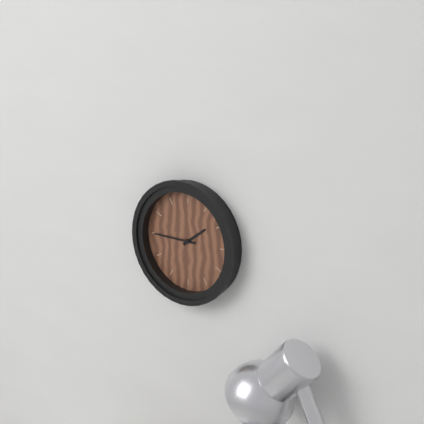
1:45
